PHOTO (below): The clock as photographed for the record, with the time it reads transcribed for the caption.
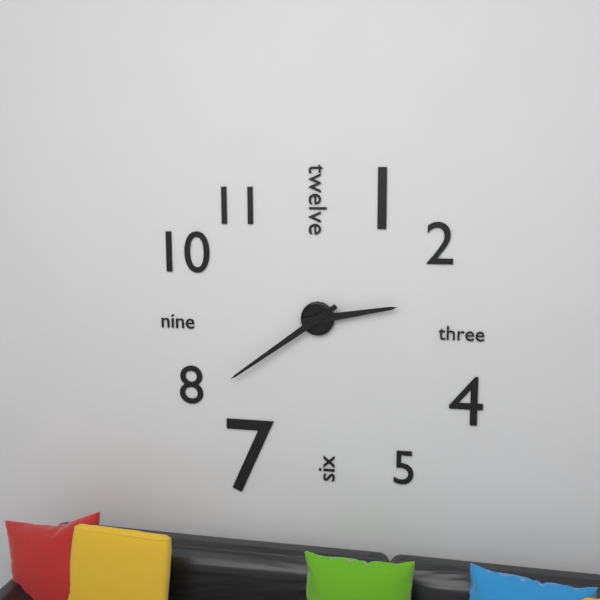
2:39
